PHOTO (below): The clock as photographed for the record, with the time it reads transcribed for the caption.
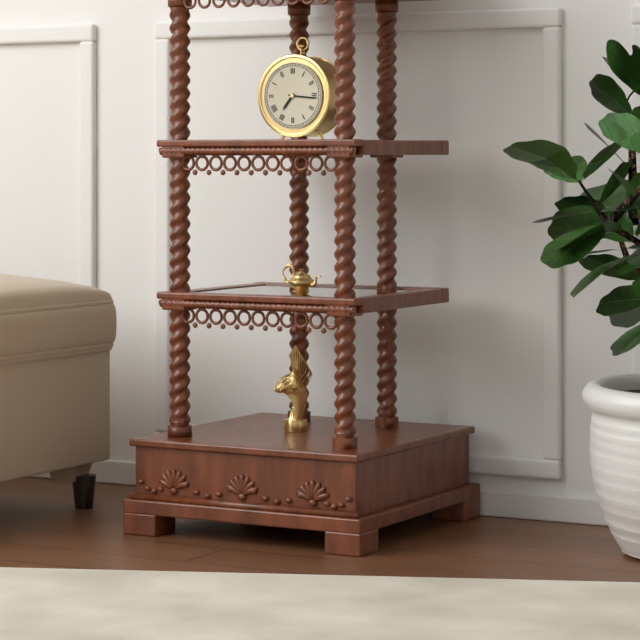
7:16
